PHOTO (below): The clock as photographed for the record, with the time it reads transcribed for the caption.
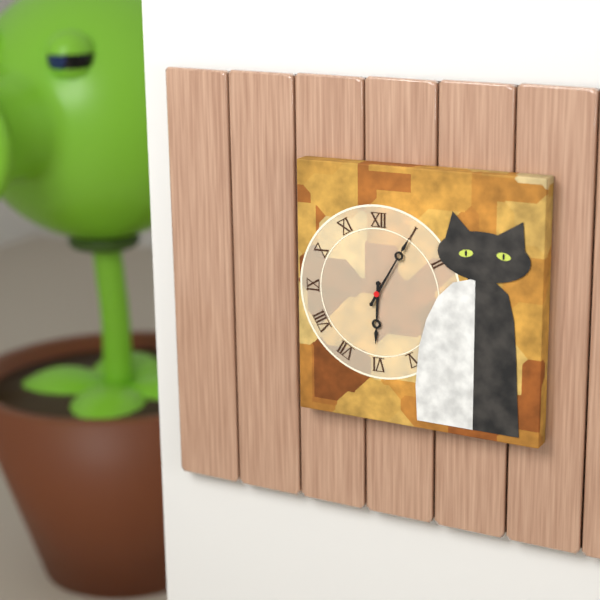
6:05
